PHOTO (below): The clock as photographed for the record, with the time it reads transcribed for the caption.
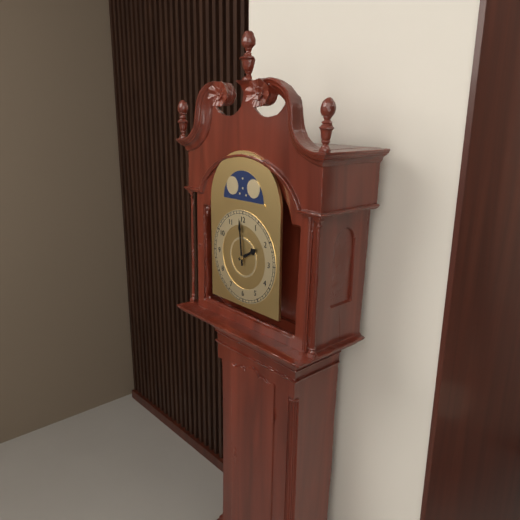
1:59
